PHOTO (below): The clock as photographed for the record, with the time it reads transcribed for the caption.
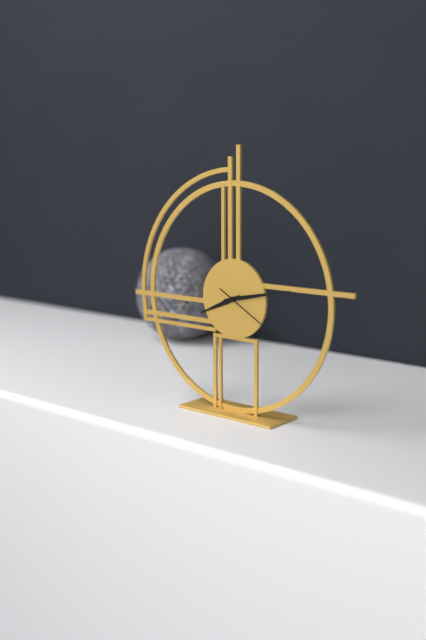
8:13:20
